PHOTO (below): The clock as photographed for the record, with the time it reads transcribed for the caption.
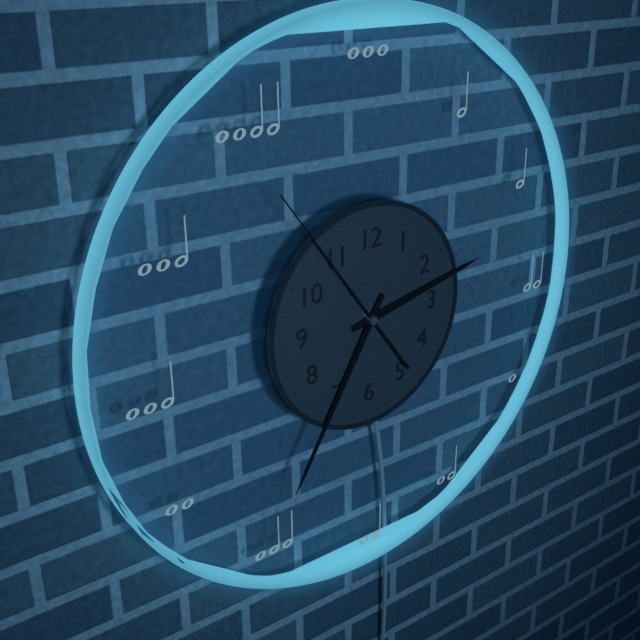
2:35:54
